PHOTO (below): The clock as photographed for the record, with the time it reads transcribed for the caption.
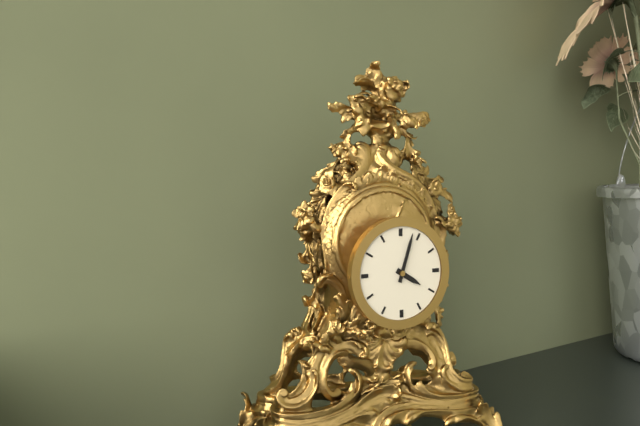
4:03
